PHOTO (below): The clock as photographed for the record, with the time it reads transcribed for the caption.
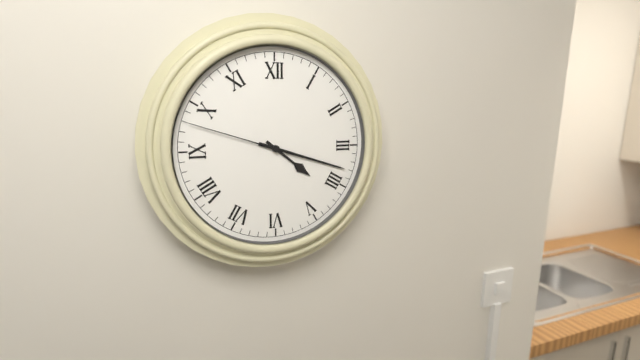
4:18:48
